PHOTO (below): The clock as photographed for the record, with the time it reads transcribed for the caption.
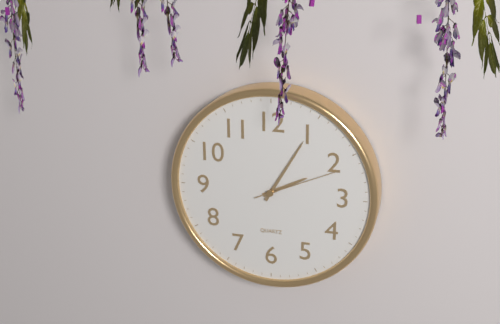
2:05:11
